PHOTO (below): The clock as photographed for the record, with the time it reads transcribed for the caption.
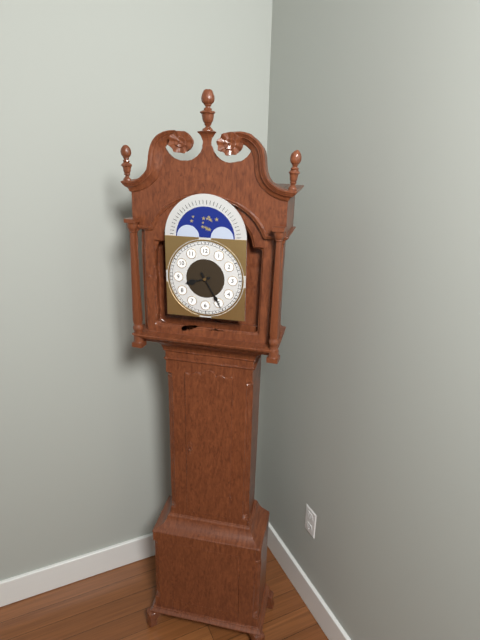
8:25
